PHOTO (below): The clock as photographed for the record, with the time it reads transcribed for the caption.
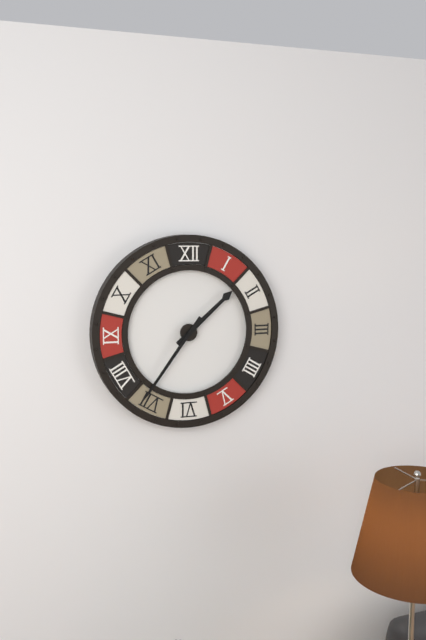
1:36
